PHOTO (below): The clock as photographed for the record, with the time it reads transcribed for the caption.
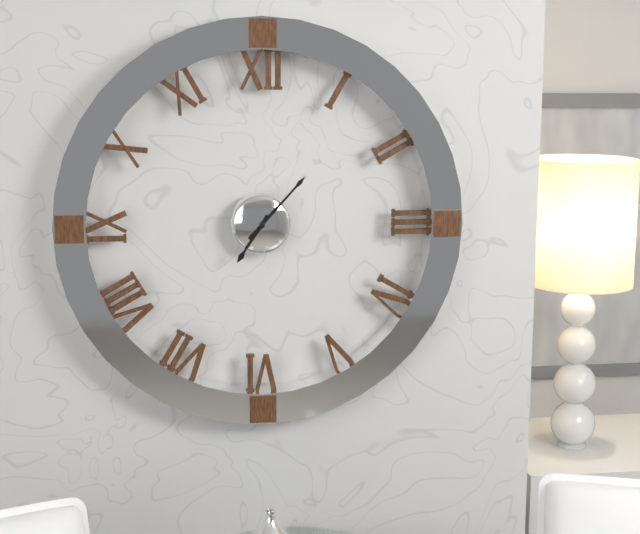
7:07
